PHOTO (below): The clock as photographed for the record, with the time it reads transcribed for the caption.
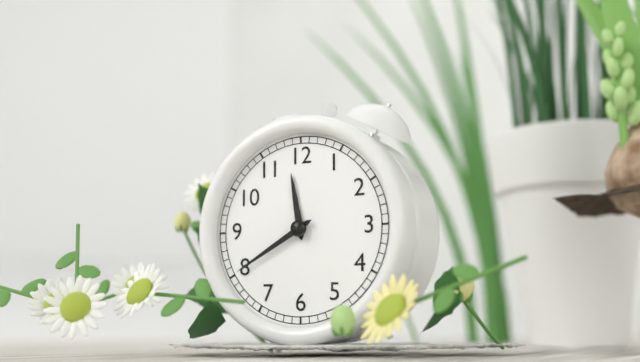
11:40
